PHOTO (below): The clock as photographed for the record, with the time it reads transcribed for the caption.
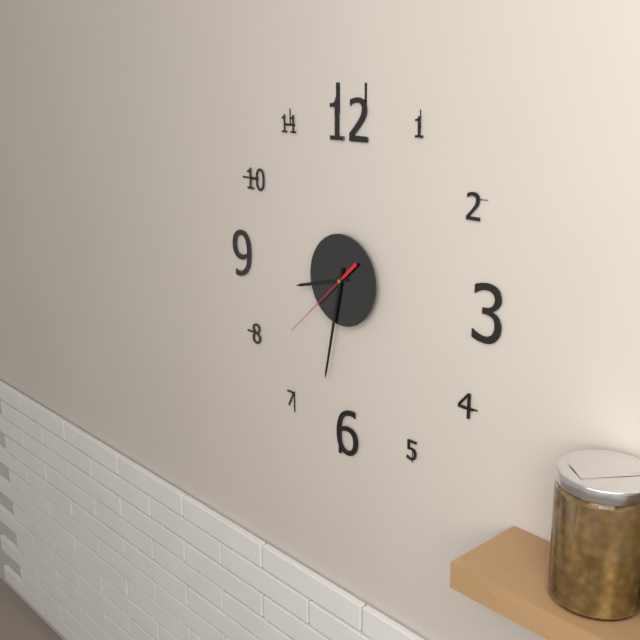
8:32:38
